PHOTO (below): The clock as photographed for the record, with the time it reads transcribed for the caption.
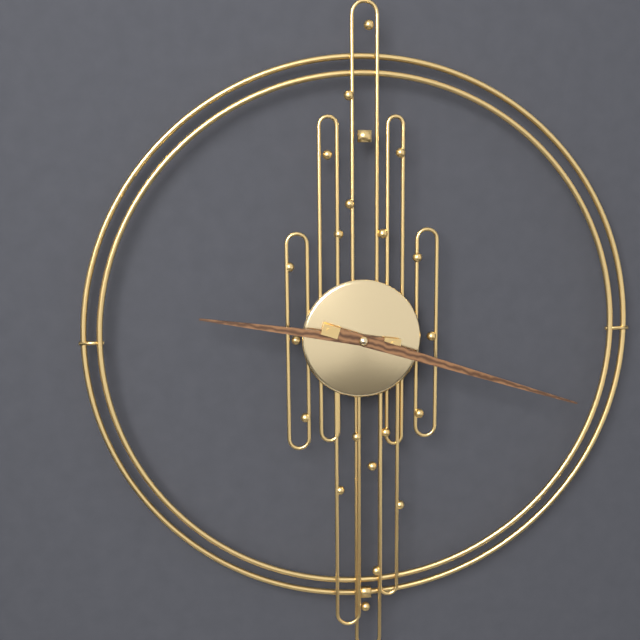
9:18
